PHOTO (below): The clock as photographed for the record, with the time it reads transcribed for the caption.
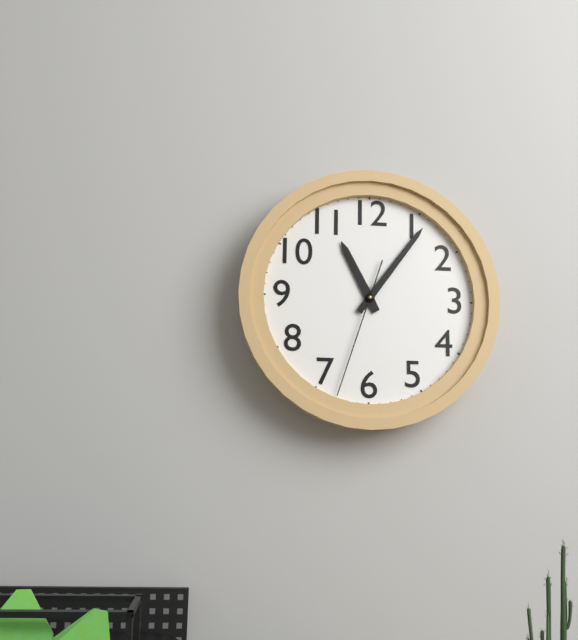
11:06:33
